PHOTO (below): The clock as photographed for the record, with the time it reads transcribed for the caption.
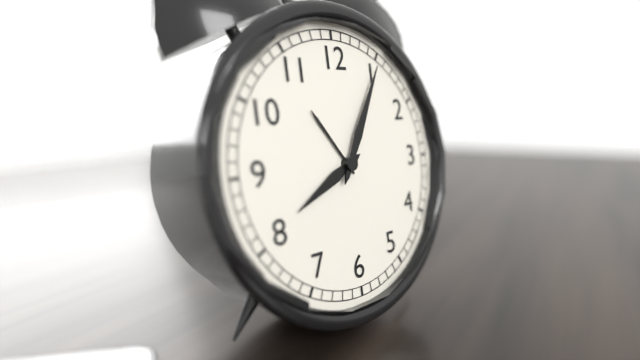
8:05
